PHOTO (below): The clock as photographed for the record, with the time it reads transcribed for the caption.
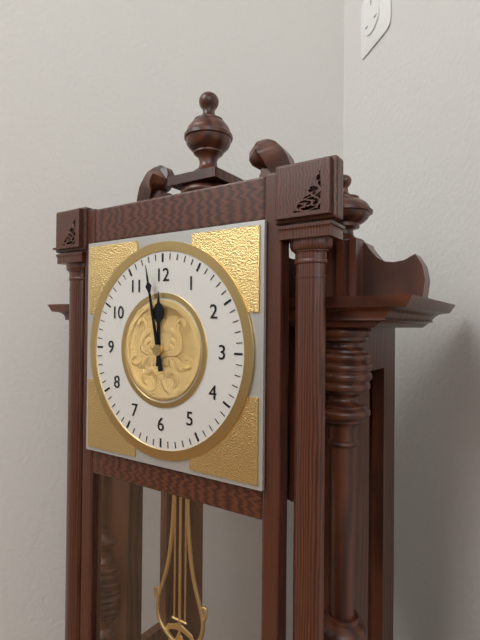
11:58
